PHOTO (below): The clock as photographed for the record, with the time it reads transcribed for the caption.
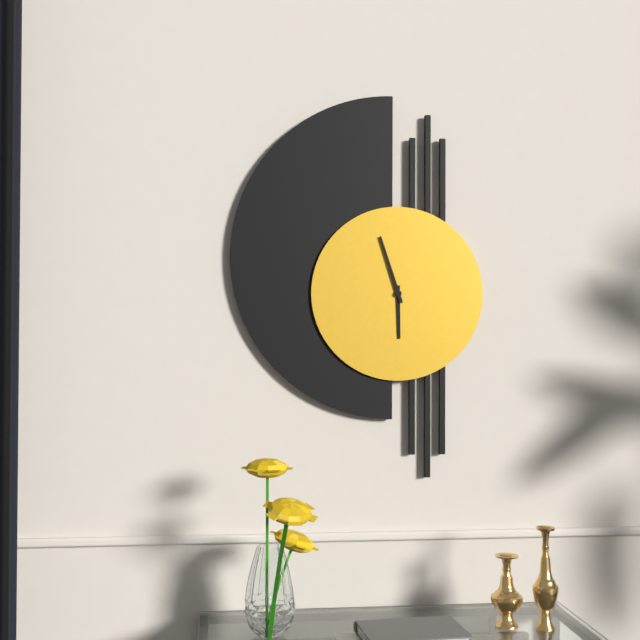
5:57
